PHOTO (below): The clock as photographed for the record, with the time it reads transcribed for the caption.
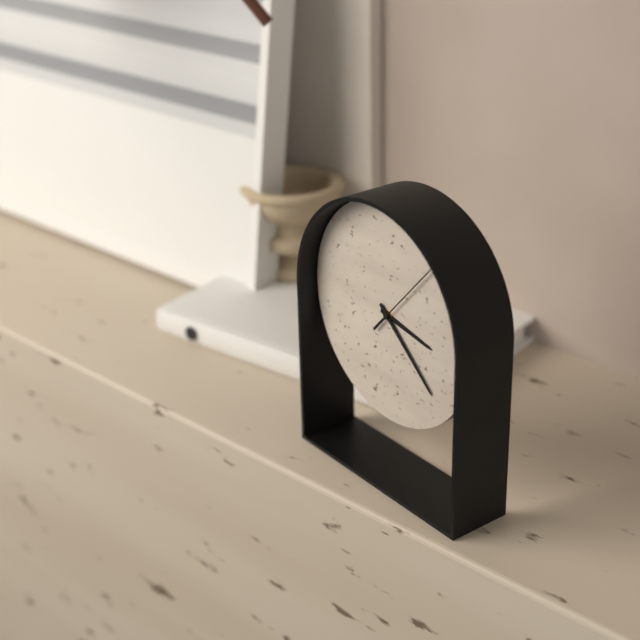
3:22:07
